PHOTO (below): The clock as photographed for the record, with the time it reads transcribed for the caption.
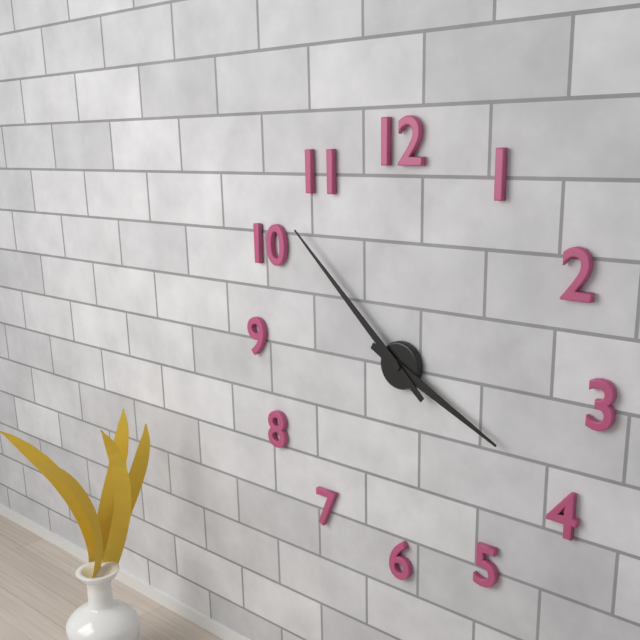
3:52
